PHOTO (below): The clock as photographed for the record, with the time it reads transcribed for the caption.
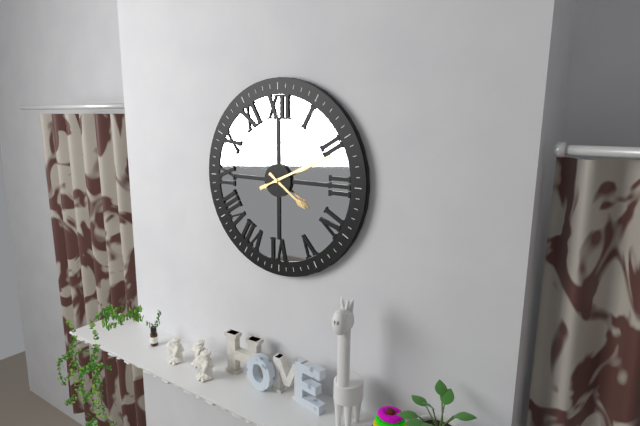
4:11
